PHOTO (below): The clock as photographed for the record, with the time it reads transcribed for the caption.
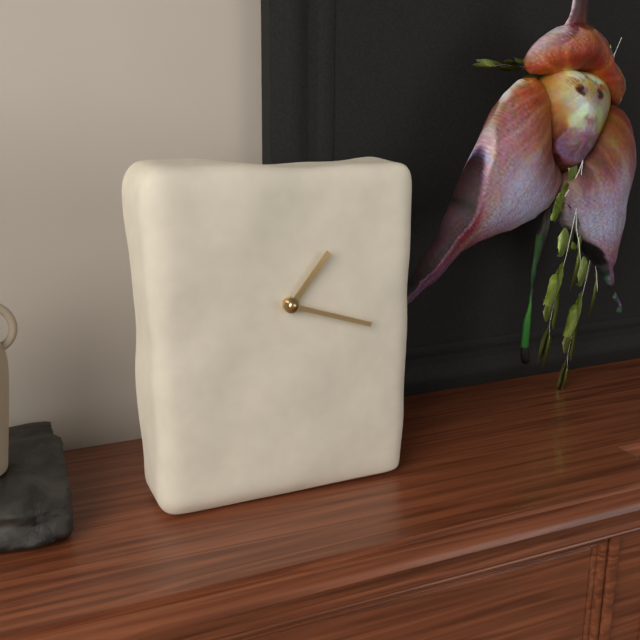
1:18
